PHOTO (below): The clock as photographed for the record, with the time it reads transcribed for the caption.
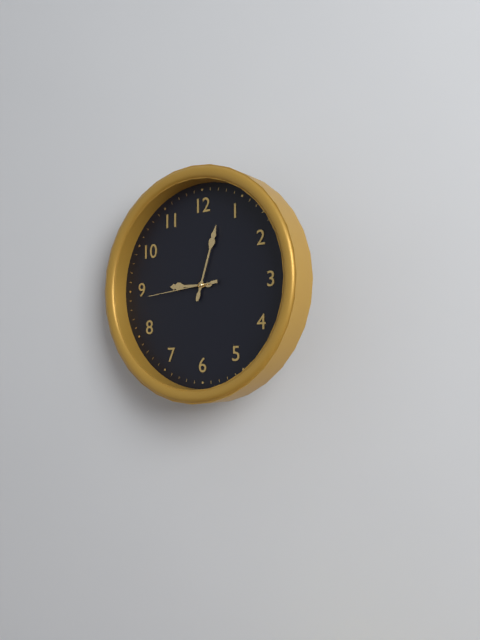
9:03:44
